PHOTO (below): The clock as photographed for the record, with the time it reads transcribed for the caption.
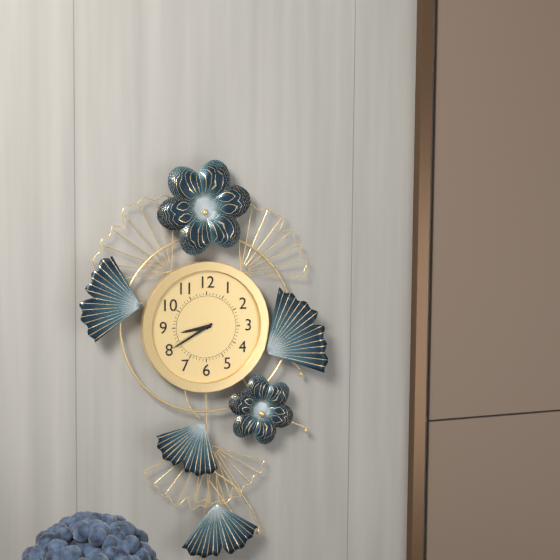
8:40
